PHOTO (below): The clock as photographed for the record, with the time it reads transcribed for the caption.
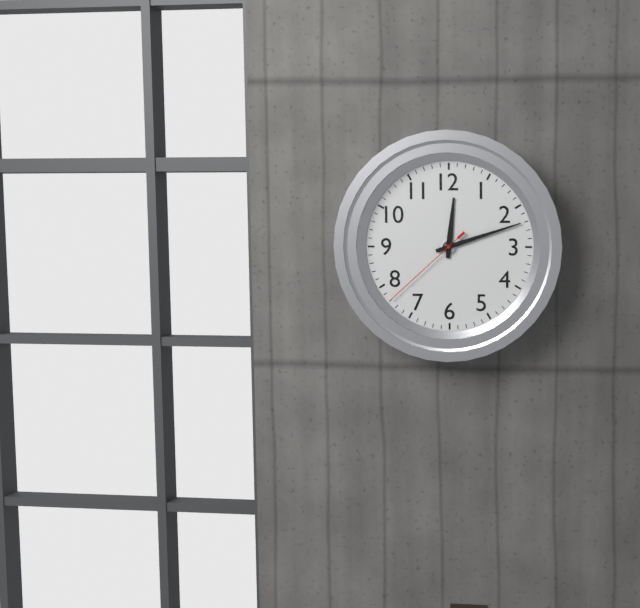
12:12:38
